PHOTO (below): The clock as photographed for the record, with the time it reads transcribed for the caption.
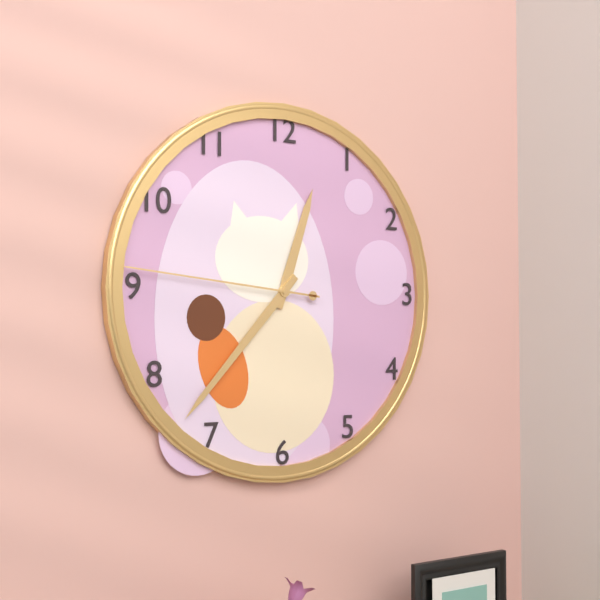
12:37:46
